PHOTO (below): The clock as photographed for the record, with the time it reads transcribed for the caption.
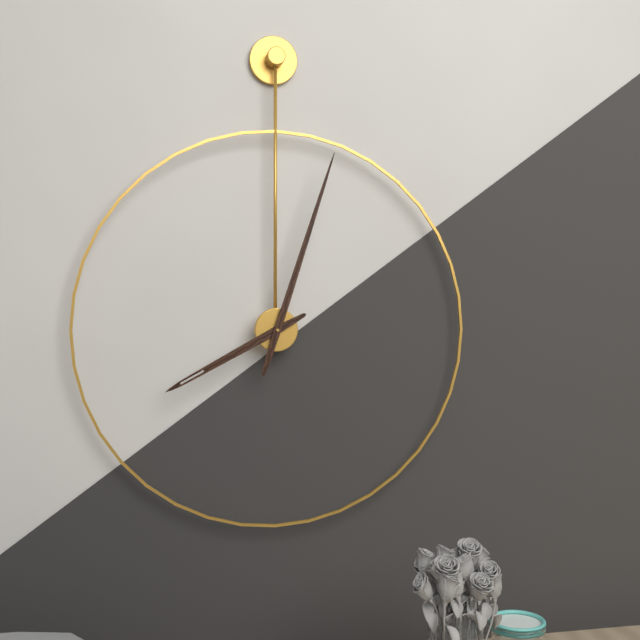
8:03
